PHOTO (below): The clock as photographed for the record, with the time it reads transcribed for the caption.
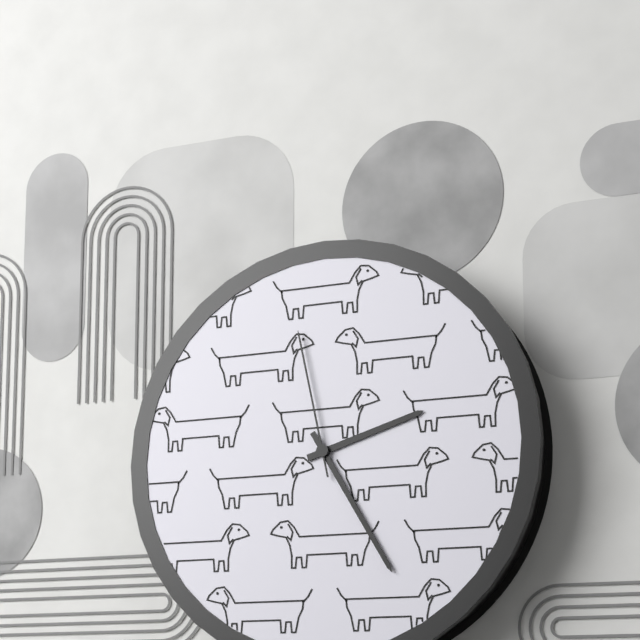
2:25:58
